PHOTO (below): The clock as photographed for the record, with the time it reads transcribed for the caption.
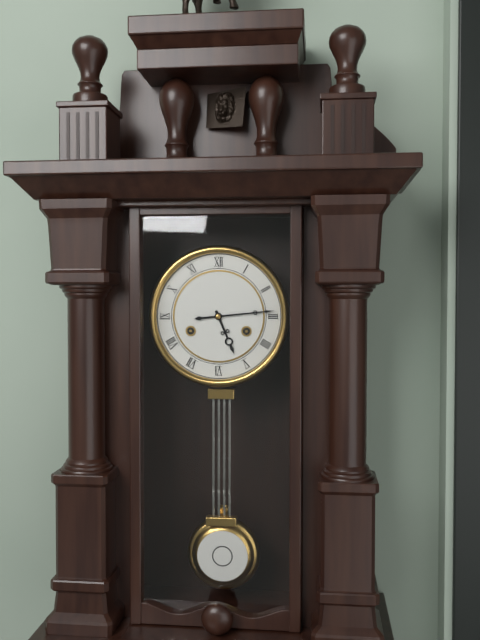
5:14
